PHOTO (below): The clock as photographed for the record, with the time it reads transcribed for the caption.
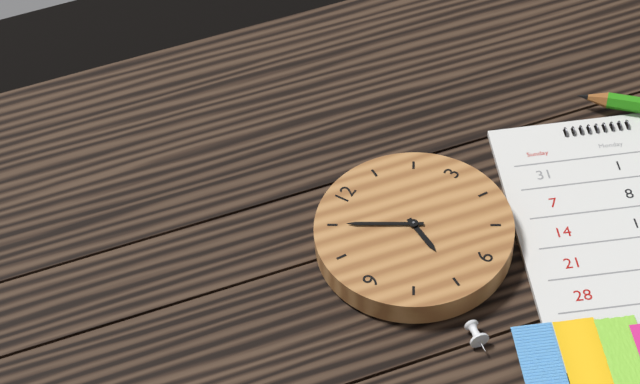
6:55
